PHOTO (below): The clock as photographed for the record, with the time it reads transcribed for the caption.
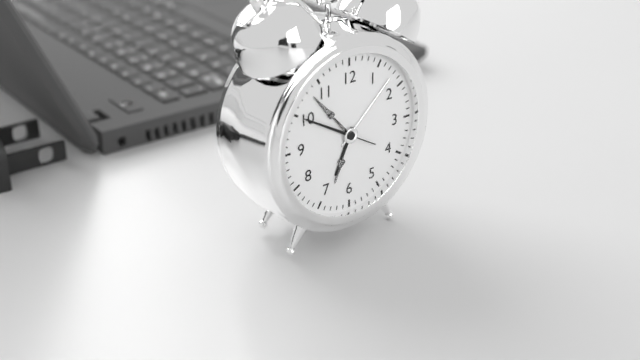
6:50:50
